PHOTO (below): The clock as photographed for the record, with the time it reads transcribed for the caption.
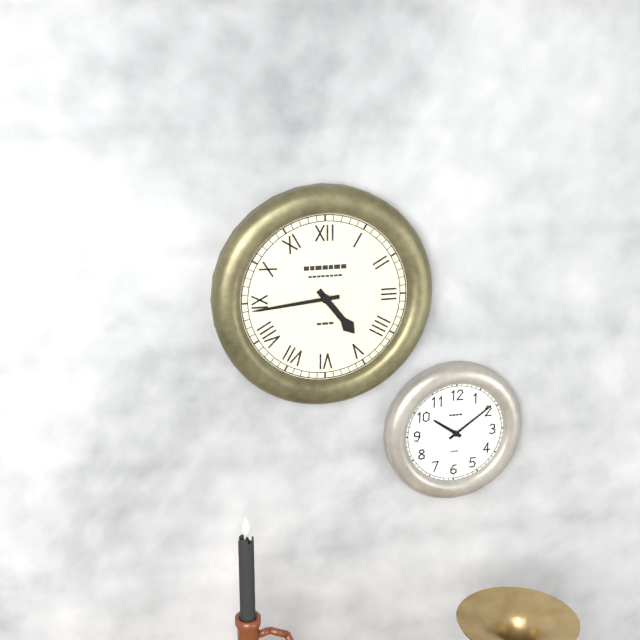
4:44
